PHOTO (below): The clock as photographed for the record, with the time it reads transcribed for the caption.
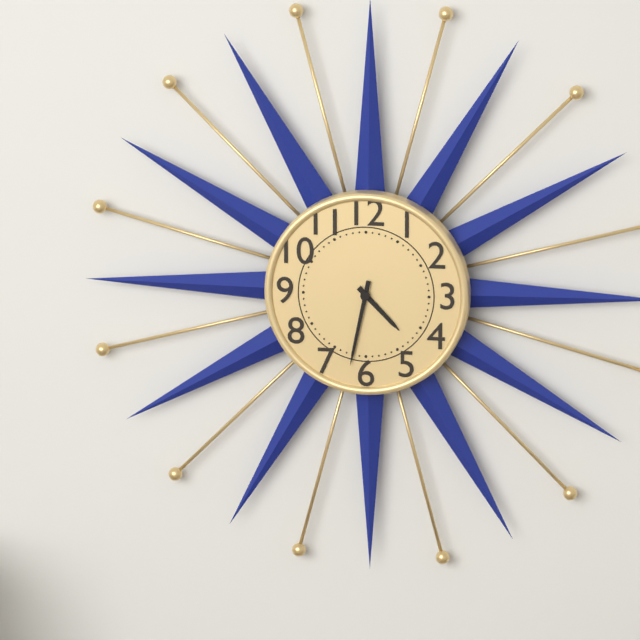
4:32
